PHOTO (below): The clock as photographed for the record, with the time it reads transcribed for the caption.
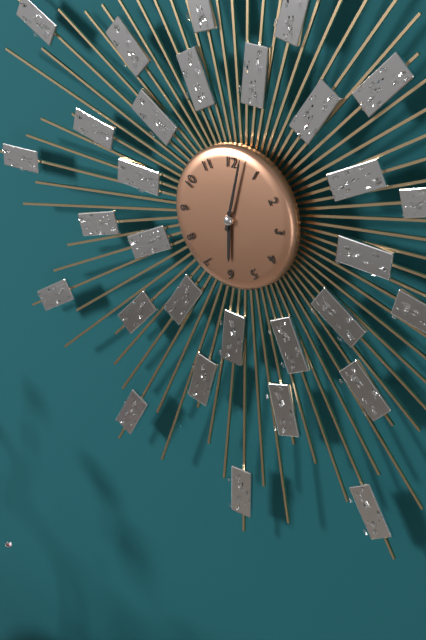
6:02
